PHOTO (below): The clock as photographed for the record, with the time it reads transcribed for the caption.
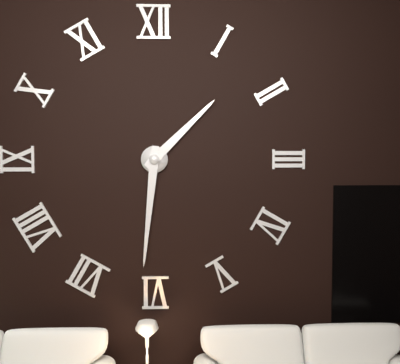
1:31
